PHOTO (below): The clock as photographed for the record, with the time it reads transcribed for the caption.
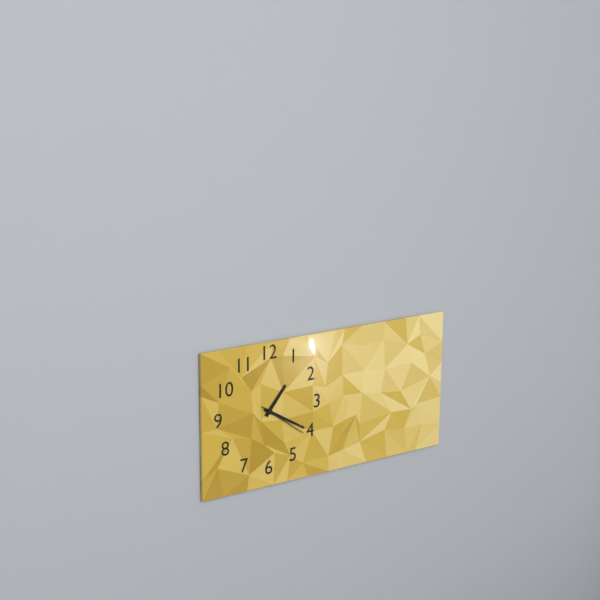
1:20
